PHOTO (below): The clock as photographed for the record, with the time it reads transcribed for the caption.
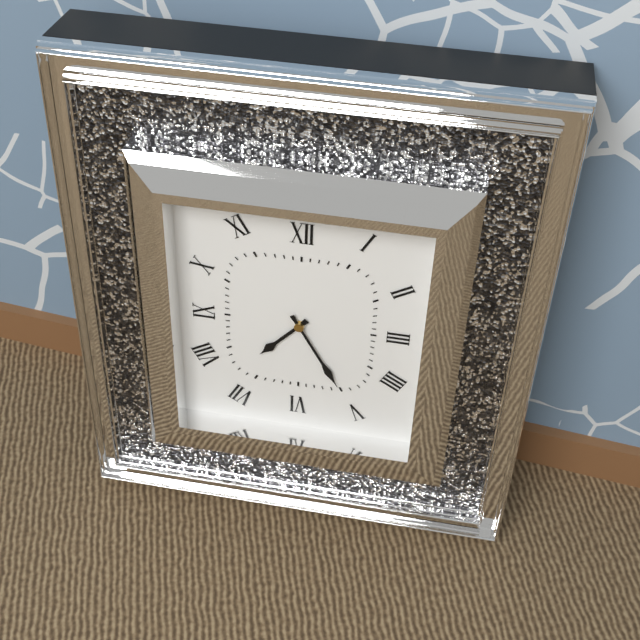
7:25
